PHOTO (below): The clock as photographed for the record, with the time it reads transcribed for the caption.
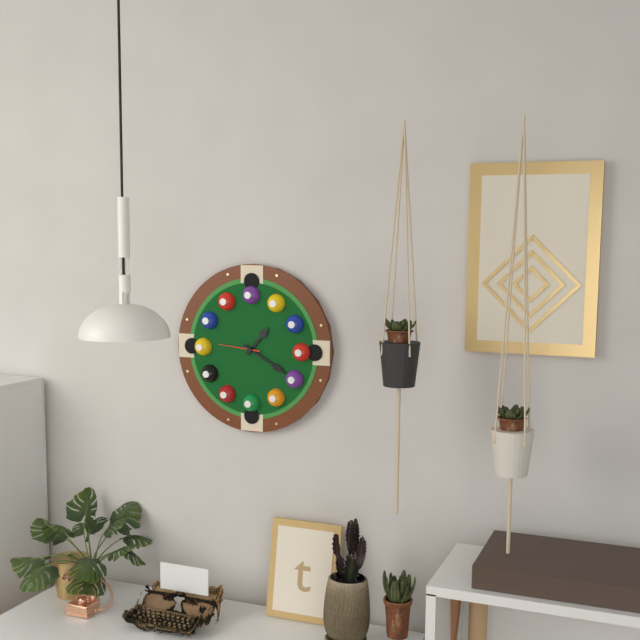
1:20
